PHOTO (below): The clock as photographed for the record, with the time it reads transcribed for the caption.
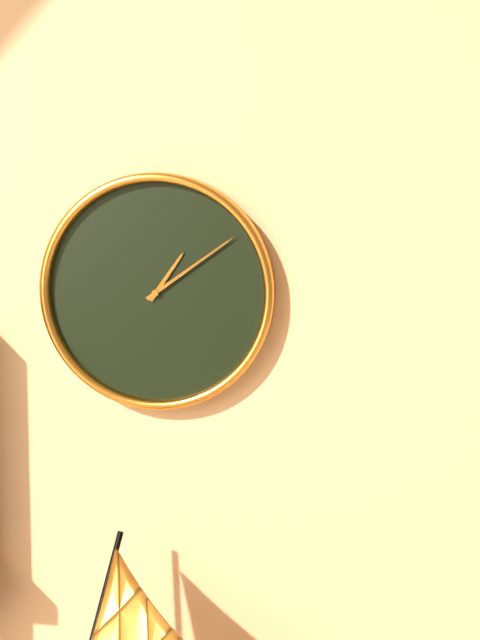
1:09
